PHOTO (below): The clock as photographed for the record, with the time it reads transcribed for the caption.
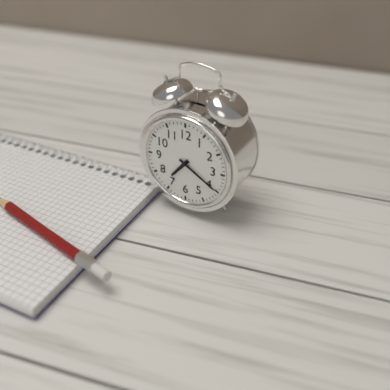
7:20
